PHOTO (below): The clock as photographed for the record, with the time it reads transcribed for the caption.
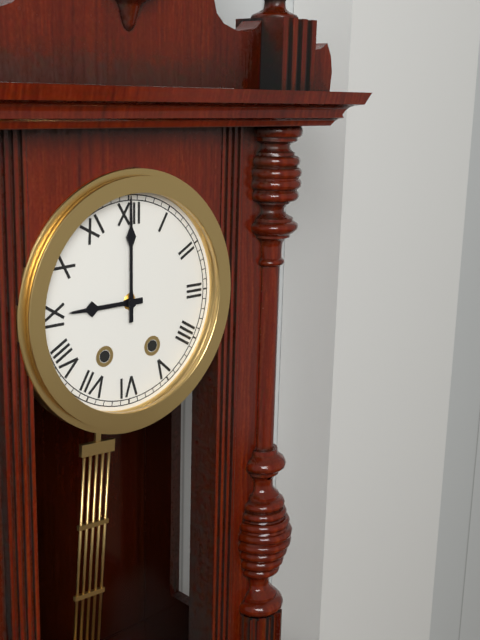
9:00
